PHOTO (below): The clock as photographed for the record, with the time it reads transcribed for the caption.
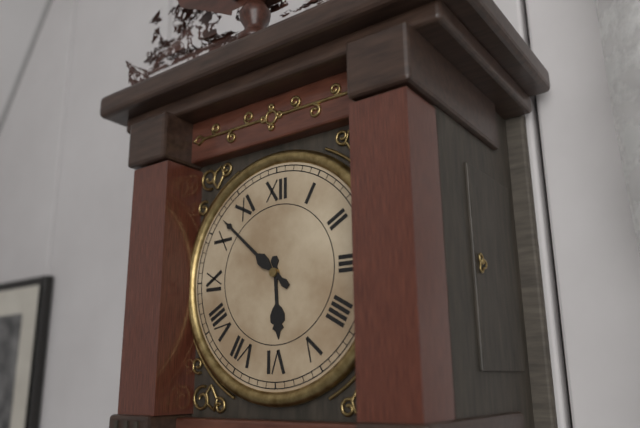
5:52
